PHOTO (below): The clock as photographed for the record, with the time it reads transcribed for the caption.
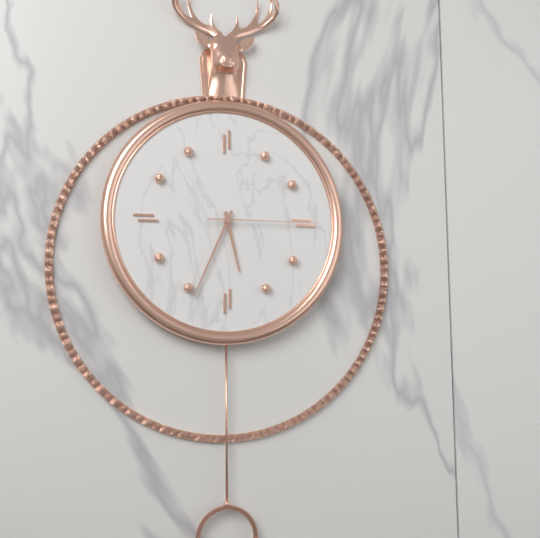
5:34:15
